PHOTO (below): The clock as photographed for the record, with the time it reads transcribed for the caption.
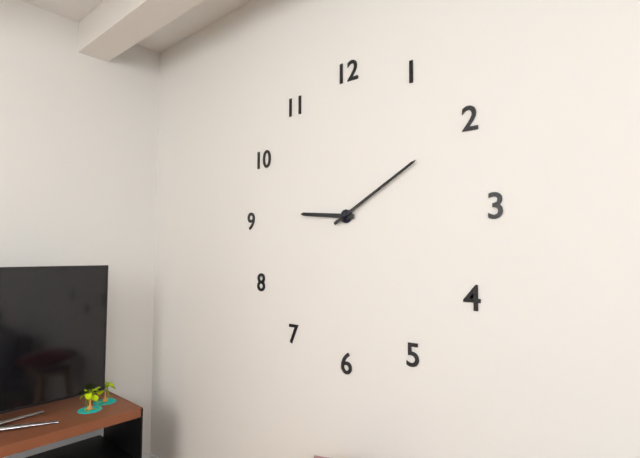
9:10
